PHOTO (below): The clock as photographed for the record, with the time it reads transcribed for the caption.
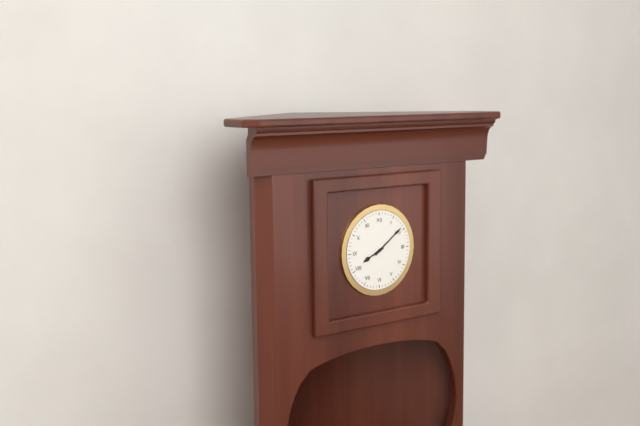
8:09
